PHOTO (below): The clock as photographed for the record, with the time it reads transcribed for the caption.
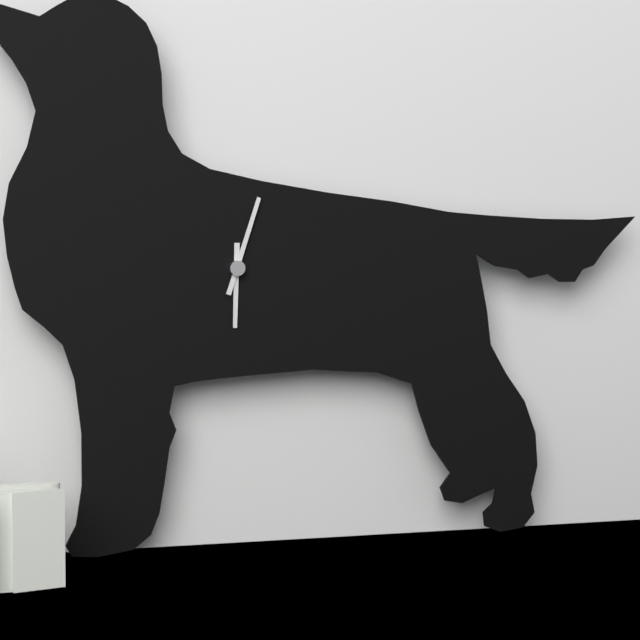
6:03
